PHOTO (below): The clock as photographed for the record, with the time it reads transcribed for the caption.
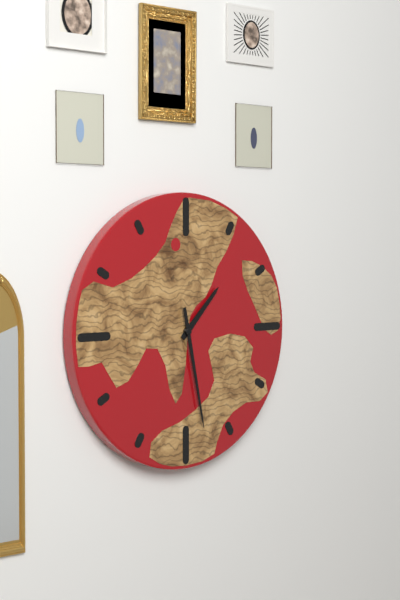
1:28
